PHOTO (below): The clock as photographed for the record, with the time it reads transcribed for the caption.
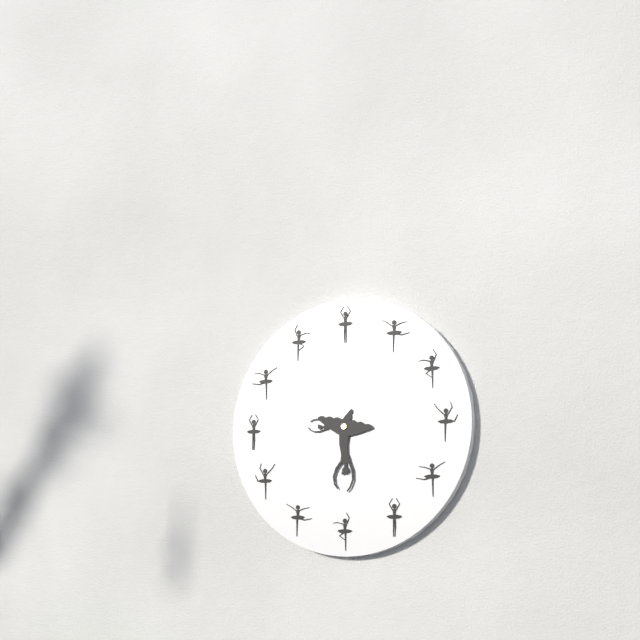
9:32
